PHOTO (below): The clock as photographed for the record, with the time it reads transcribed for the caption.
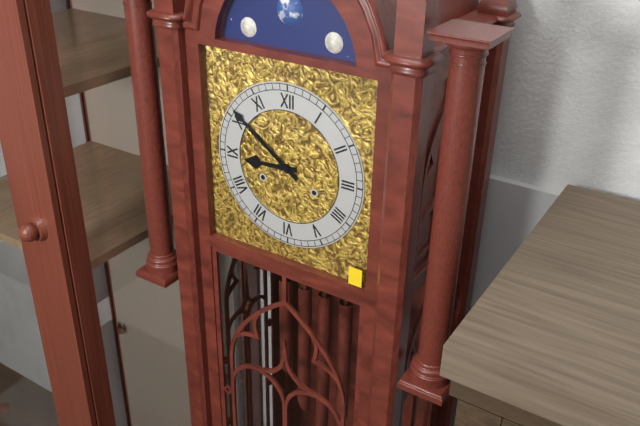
8:51
